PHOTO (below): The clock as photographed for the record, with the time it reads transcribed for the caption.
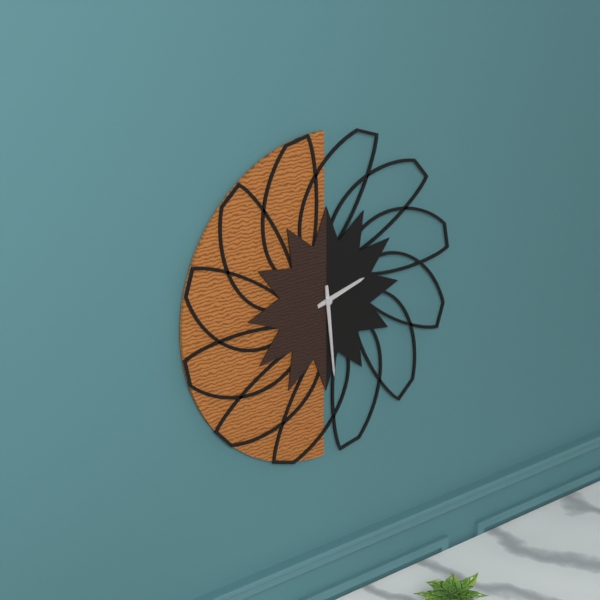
2:29
